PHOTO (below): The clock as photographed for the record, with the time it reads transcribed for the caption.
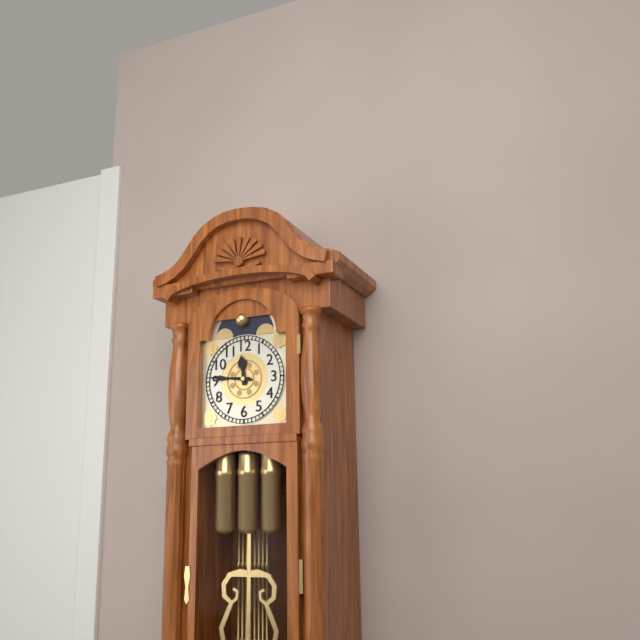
11:46
